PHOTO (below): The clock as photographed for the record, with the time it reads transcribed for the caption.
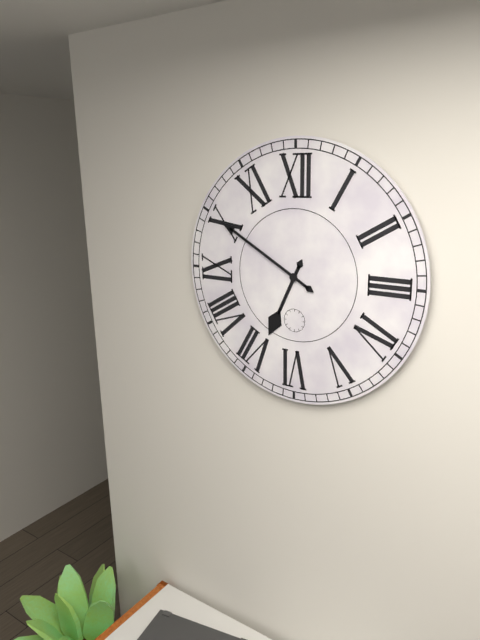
6:50
